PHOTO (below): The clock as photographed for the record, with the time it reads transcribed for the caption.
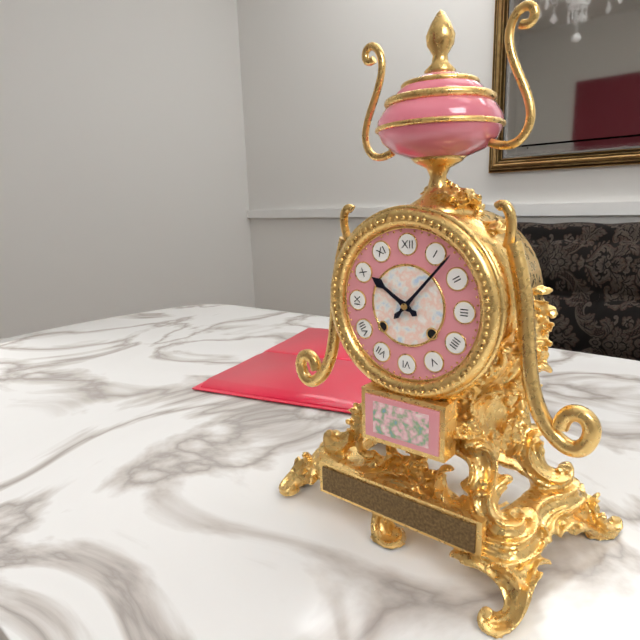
10:07
